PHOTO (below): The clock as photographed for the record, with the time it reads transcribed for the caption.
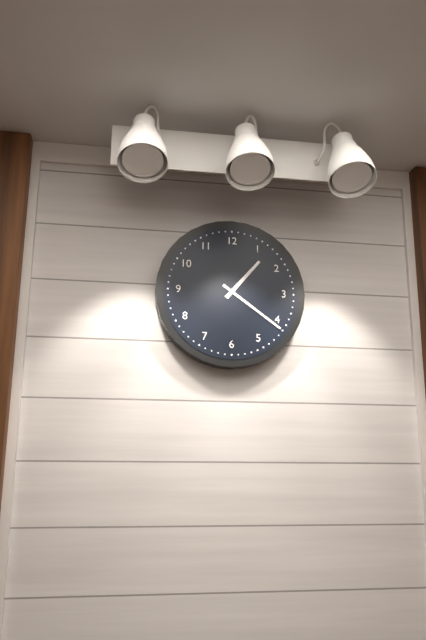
1:21
